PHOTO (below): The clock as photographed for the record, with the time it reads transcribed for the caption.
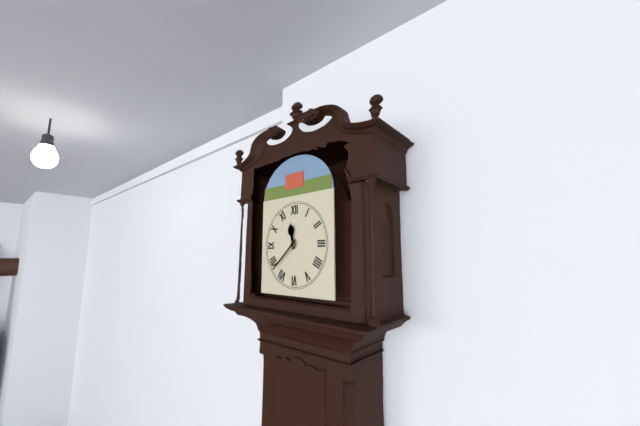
11:38
